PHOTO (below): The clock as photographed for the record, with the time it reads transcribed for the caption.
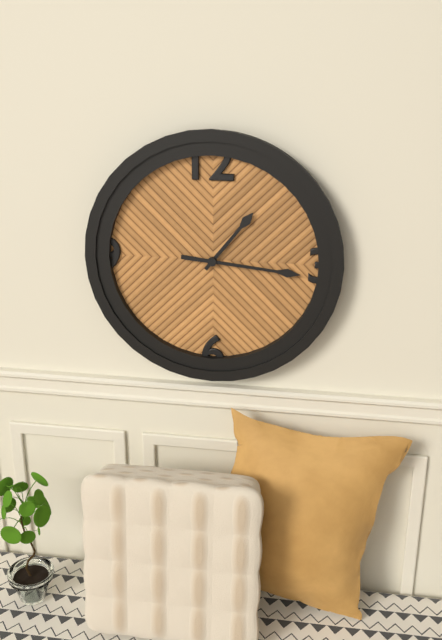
1:16
